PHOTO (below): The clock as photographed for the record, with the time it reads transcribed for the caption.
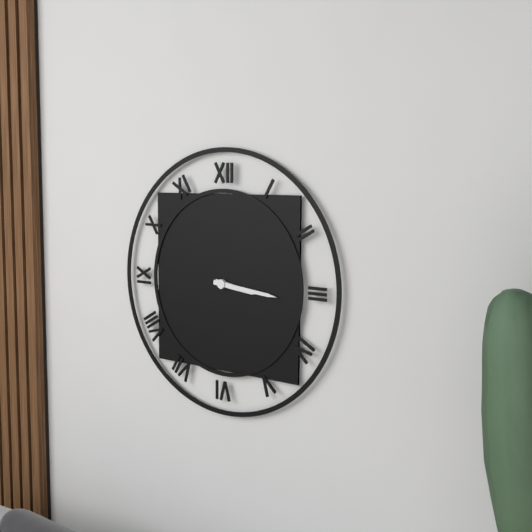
3:16
